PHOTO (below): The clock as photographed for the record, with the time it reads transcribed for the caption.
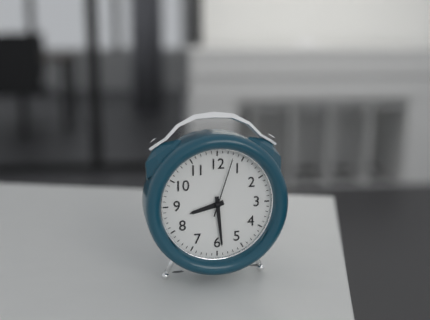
8:29:03
